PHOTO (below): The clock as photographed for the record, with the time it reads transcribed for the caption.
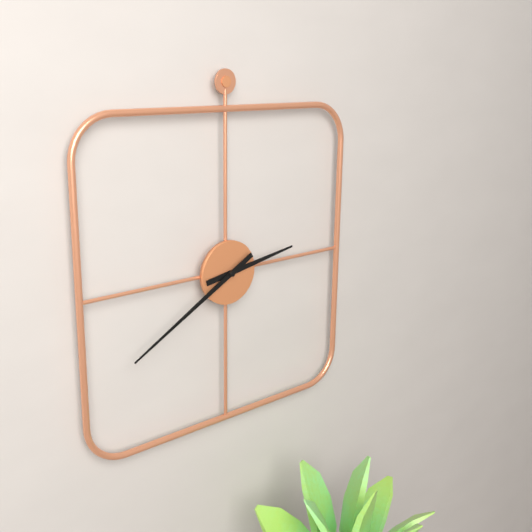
2:40
